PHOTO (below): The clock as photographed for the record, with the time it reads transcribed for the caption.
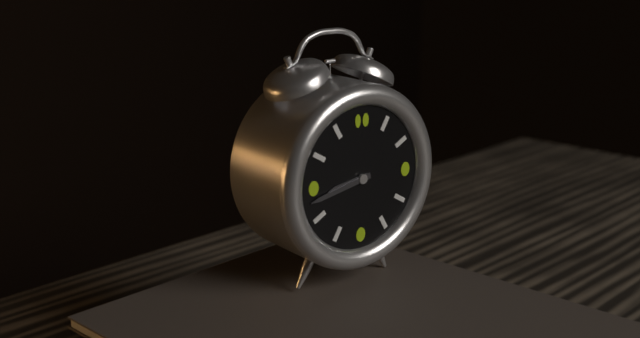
8:43
